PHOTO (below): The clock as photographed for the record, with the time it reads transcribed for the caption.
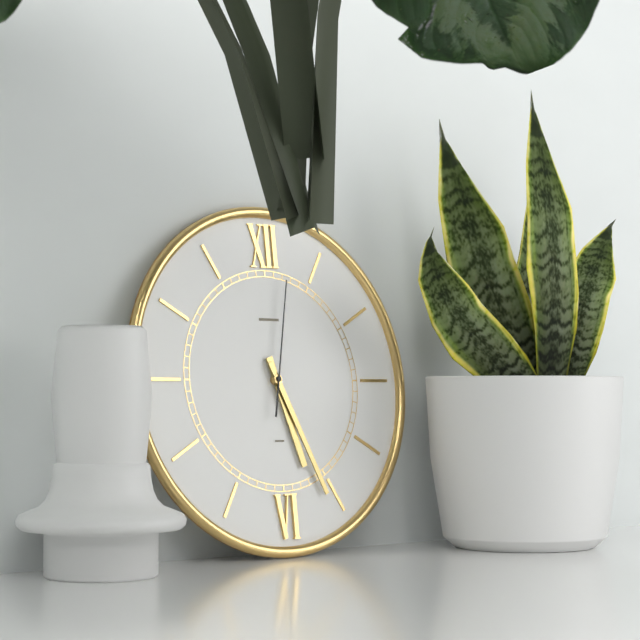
5:26:02
